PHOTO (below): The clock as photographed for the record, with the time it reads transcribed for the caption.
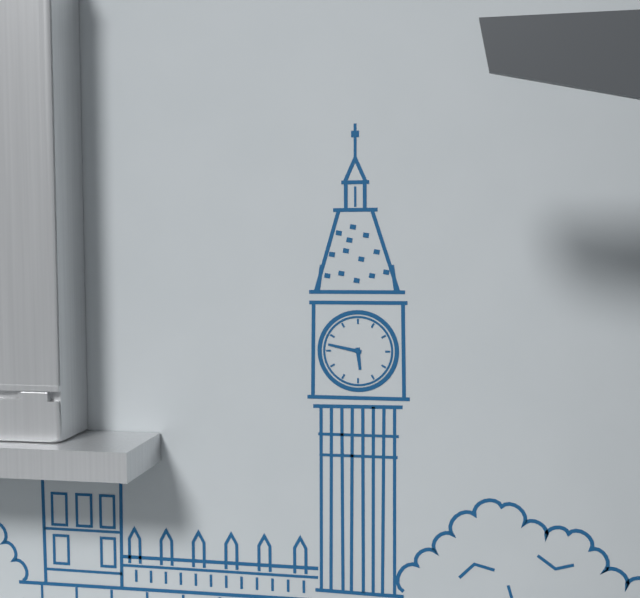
5:47
